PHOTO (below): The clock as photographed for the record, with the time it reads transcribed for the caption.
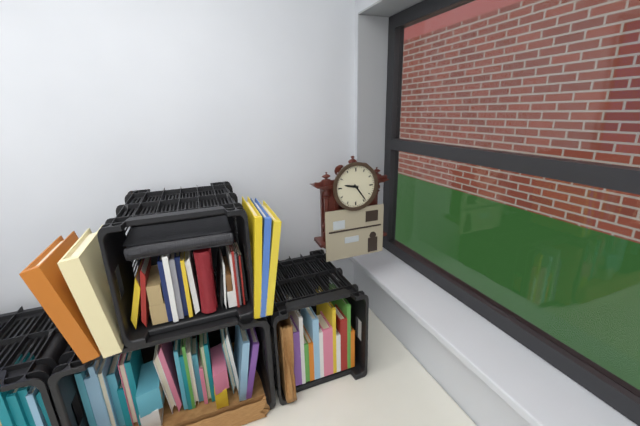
9:24
